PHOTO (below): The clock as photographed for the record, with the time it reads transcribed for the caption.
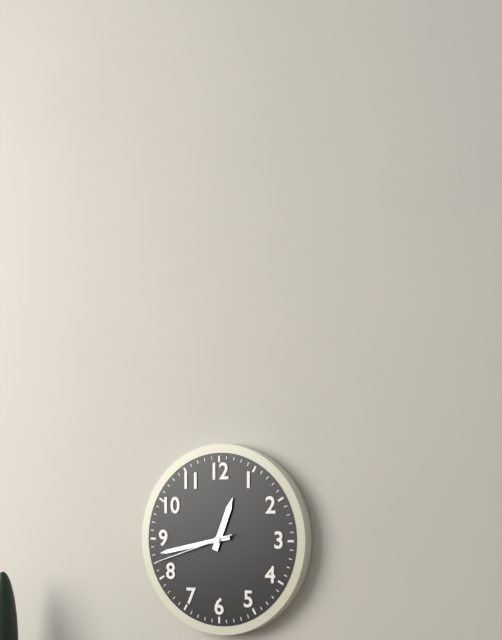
12:43:42
